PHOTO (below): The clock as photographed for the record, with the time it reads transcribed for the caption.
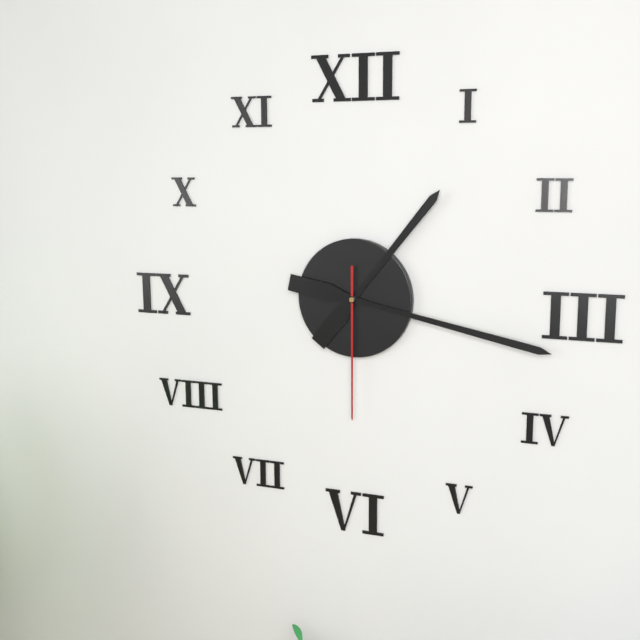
1:17:30
